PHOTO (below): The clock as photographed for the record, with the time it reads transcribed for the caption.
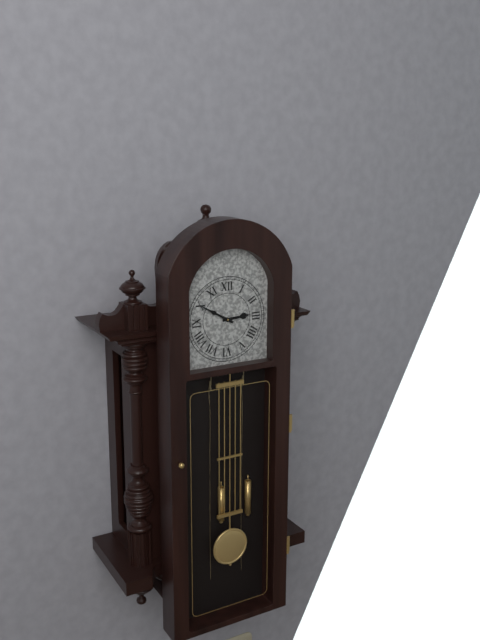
2:50
